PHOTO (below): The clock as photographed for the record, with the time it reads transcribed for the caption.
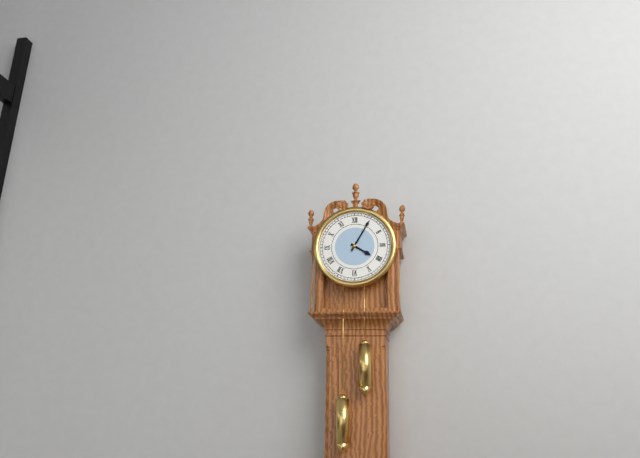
4:05
